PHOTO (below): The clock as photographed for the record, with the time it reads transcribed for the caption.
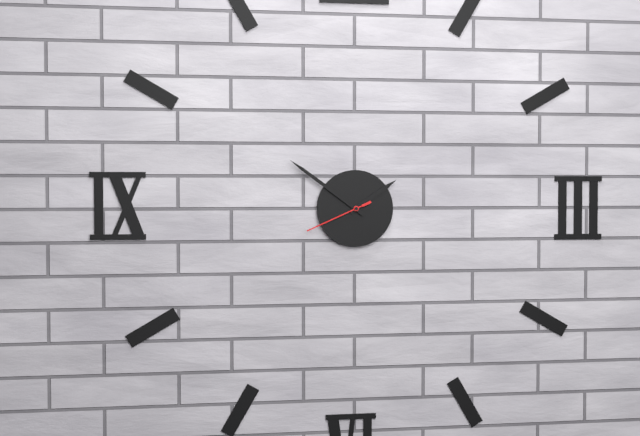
1:51:41
